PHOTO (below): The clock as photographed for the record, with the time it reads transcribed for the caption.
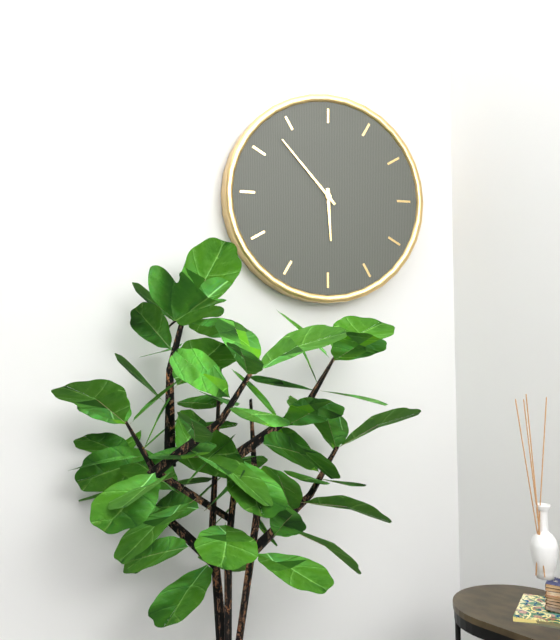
5:53
